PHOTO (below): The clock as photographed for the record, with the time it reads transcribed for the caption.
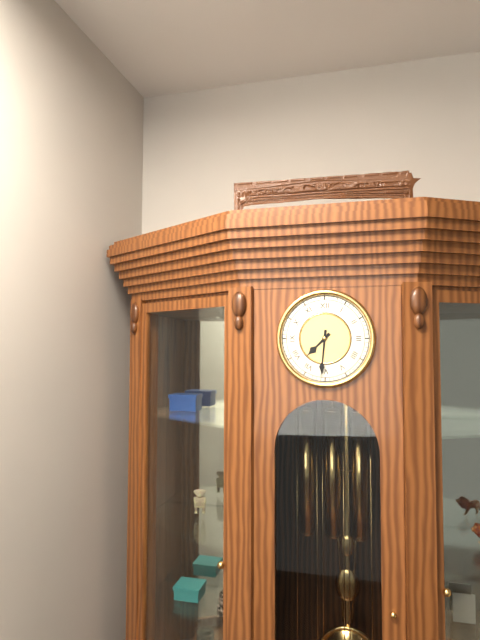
7:31
